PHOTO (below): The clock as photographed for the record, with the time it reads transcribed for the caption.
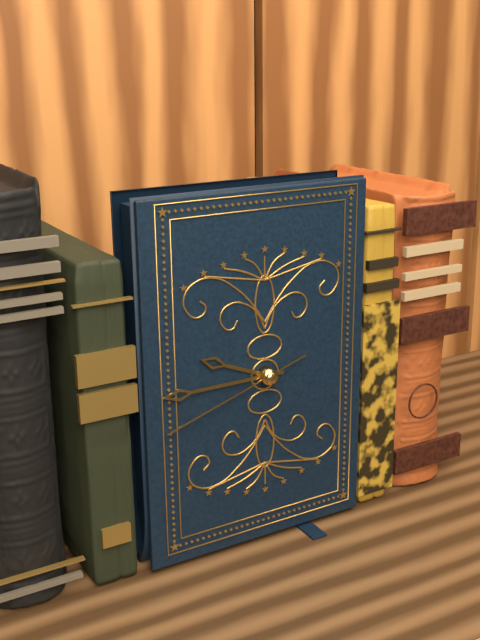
9:45:42
